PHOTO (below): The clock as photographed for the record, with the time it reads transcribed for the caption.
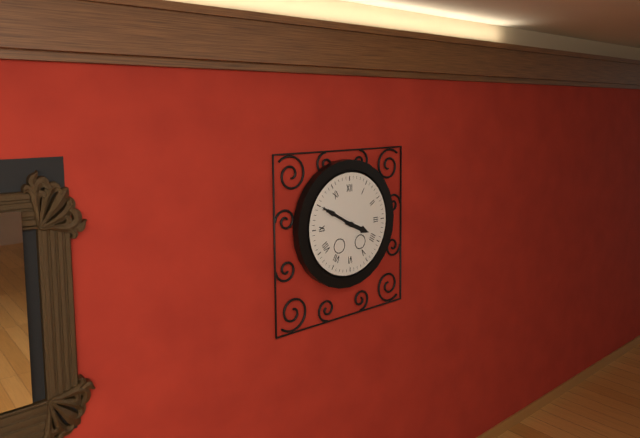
3:50
